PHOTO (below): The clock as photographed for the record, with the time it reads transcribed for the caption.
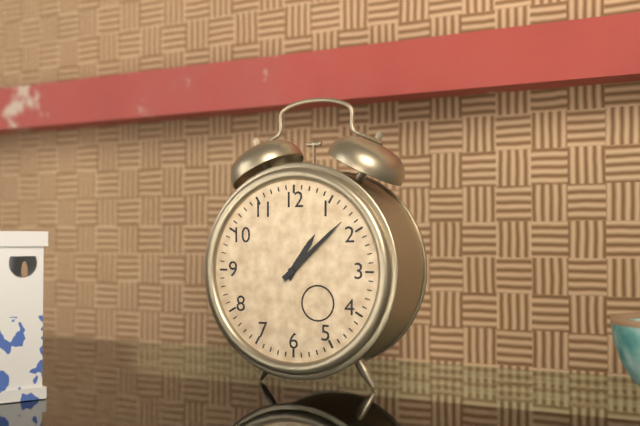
1:08
